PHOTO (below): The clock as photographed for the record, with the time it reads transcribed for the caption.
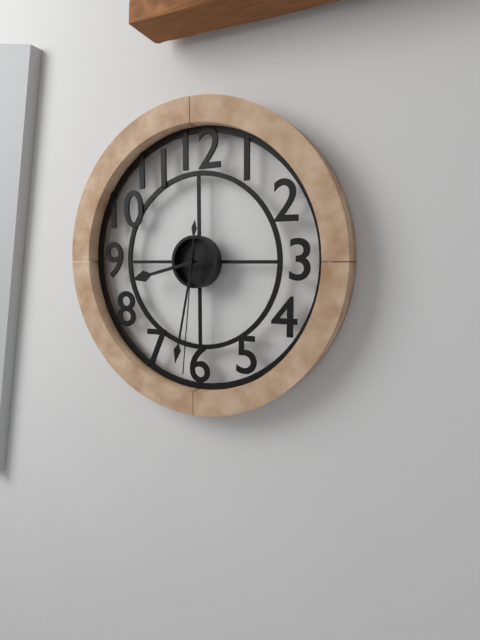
8:32:31
